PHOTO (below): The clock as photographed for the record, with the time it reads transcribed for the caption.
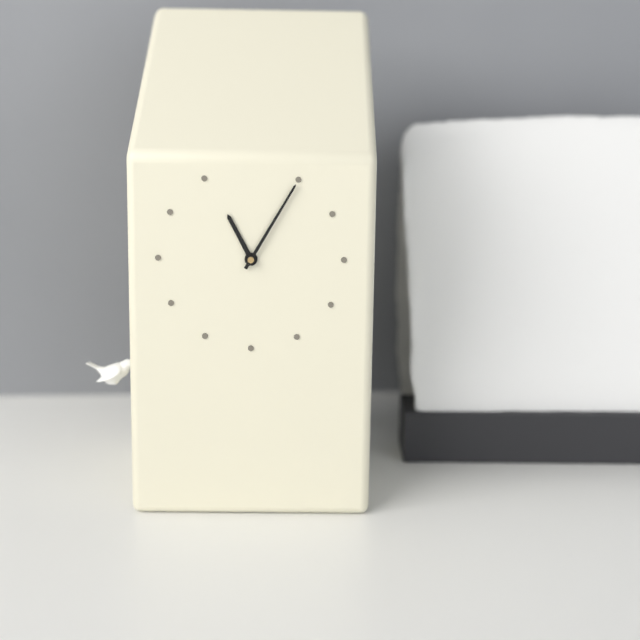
11:05
